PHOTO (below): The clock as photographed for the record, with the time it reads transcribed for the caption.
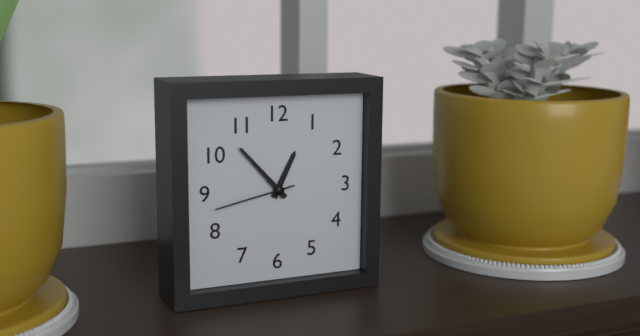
12:53:43
